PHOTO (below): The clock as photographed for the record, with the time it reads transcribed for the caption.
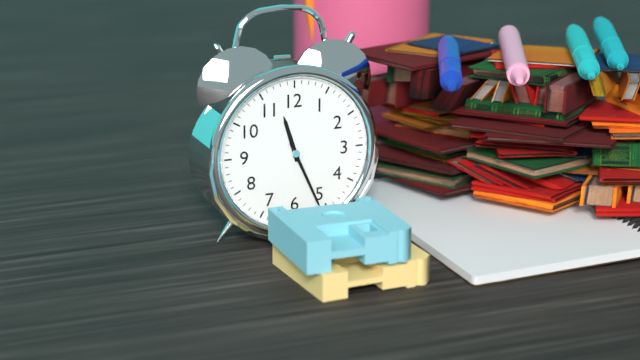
11:26
